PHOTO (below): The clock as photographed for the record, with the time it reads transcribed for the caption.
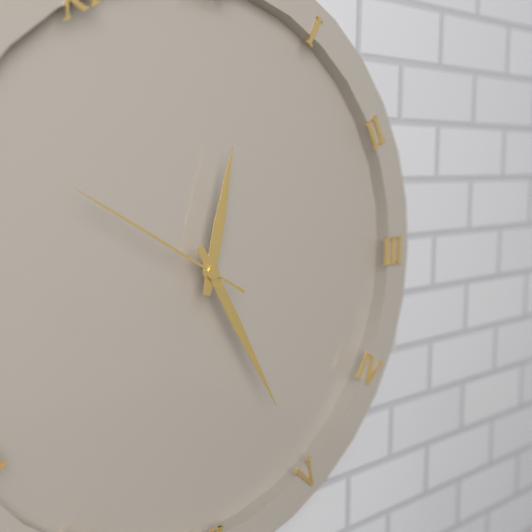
12:25:50
